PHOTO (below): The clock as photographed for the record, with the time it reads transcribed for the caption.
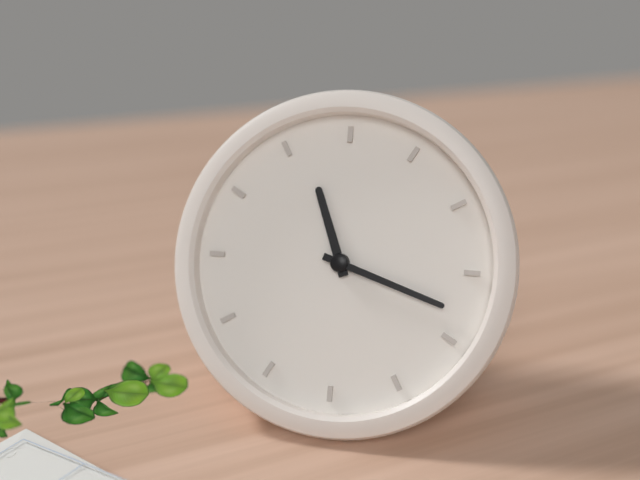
11:18
